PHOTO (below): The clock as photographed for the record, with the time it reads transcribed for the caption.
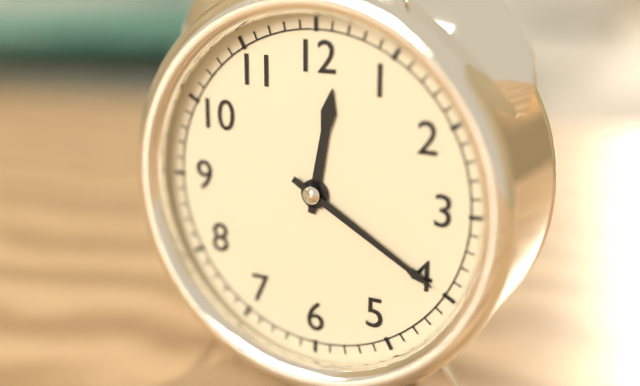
12:20
